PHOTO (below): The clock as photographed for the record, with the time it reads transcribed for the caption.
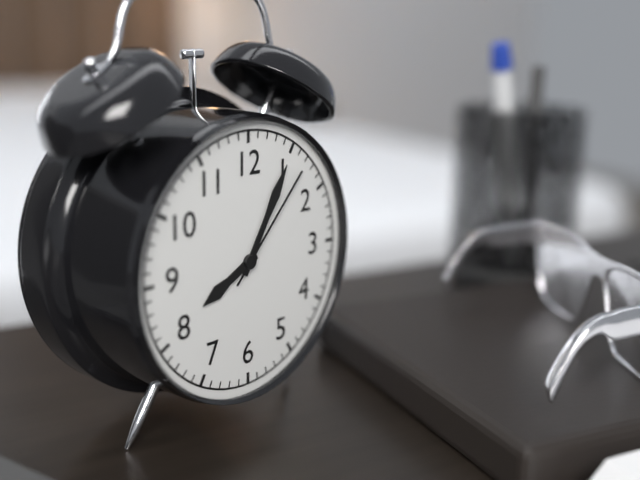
8:05:07
